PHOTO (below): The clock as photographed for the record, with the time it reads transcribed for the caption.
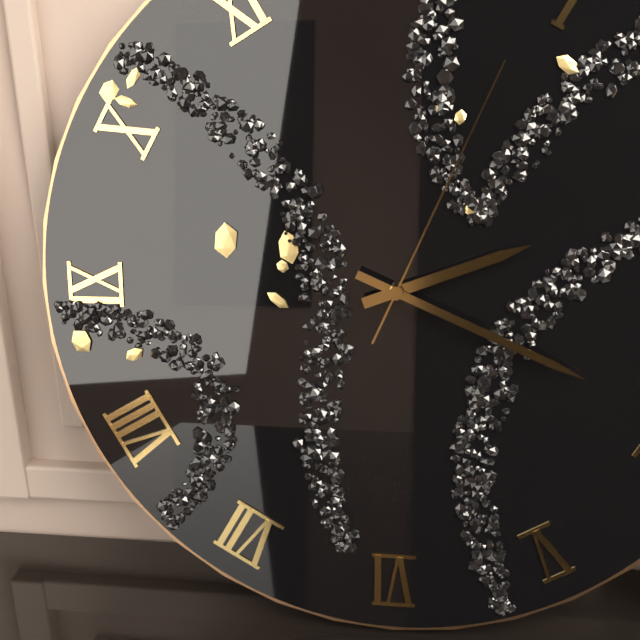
2:19:04
